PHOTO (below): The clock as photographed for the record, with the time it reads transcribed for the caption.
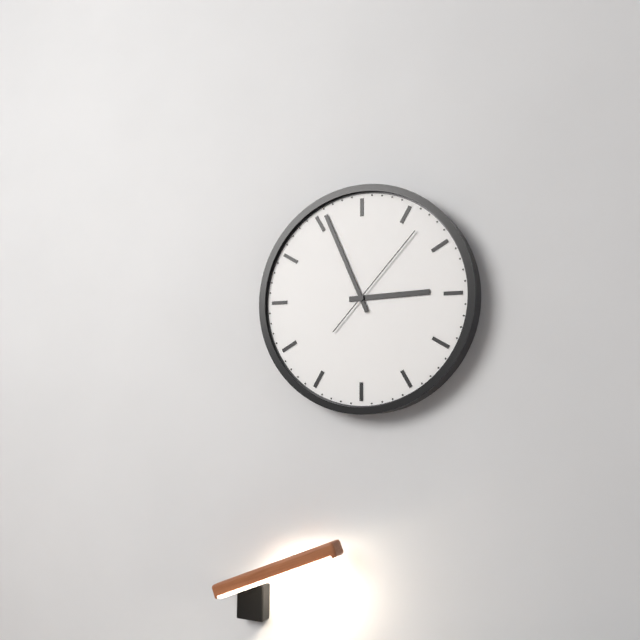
2:56:07
